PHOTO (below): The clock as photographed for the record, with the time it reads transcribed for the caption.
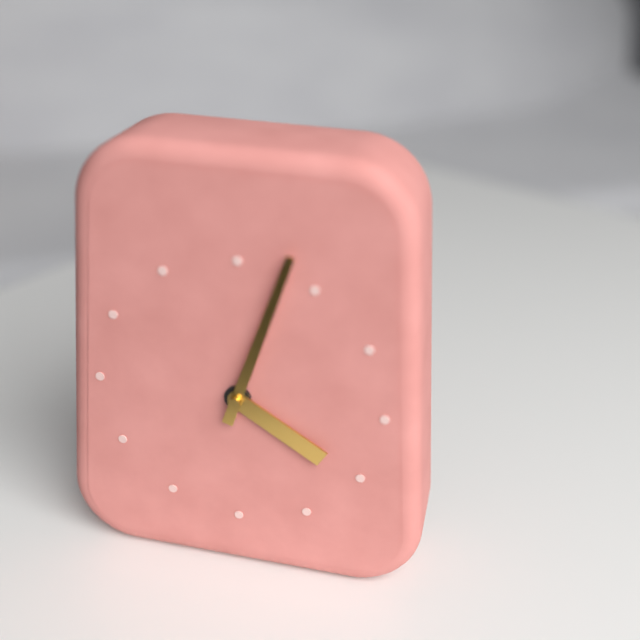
4:03
